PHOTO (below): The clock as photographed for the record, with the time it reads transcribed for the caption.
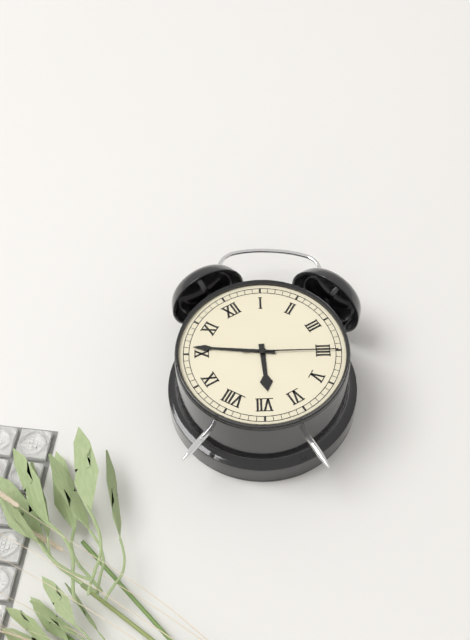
6:51:20
